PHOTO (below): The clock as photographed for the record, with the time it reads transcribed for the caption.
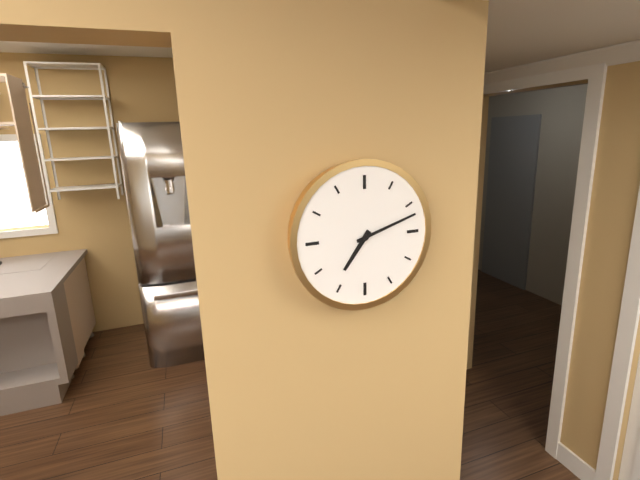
7:12
